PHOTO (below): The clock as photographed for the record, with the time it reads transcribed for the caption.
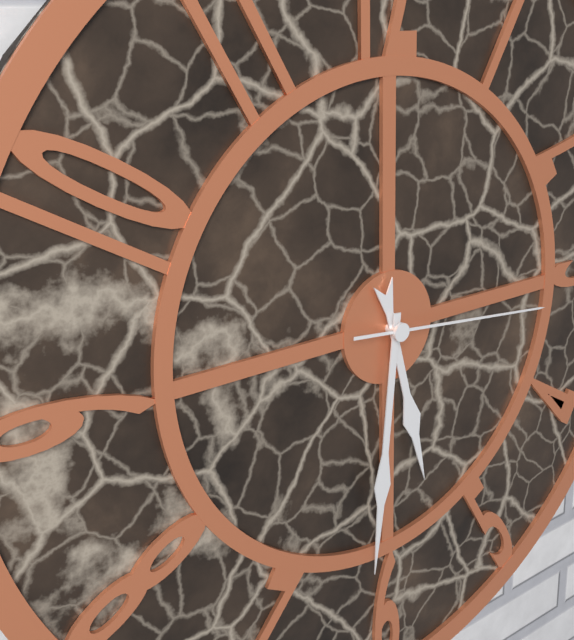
5:31:16
